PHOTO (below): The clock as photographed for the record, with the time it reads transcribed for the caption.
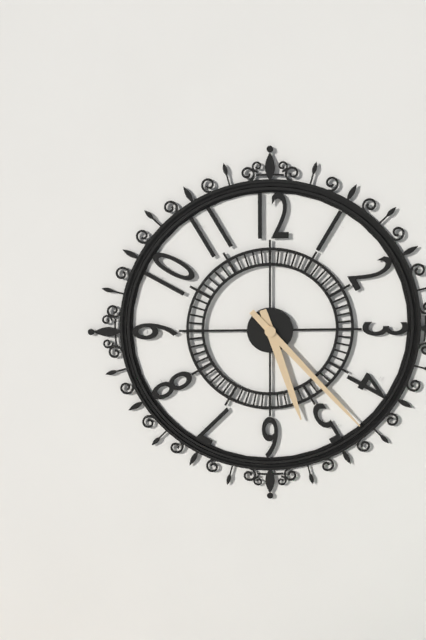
5:23
